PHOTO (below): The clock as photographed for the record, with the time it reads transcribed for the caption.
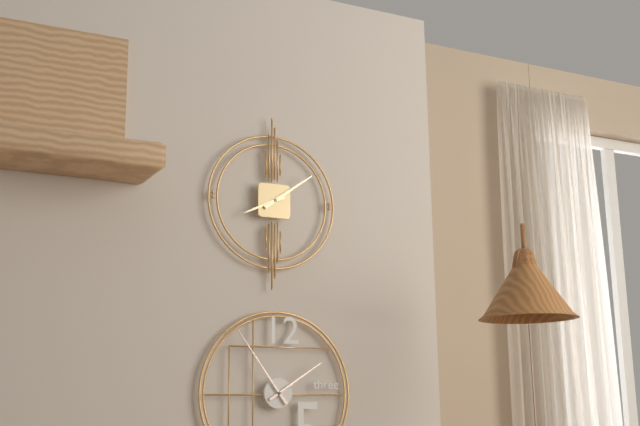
8:09
